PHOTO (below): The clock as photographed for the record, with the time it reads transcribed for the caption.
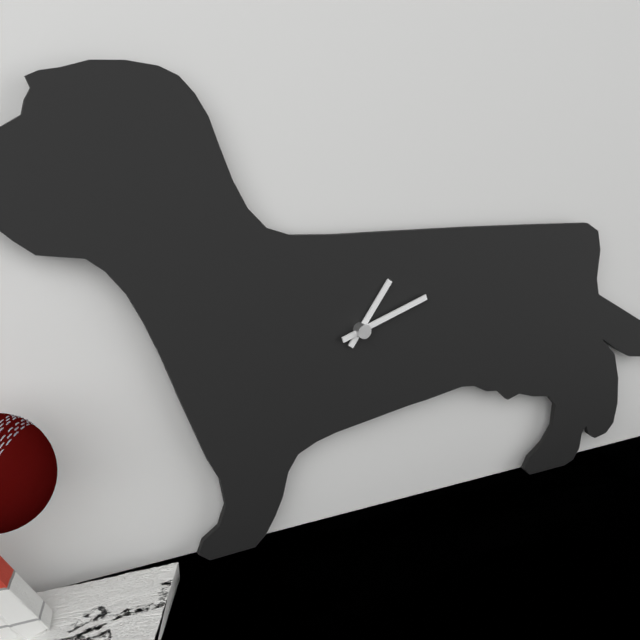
1:12
